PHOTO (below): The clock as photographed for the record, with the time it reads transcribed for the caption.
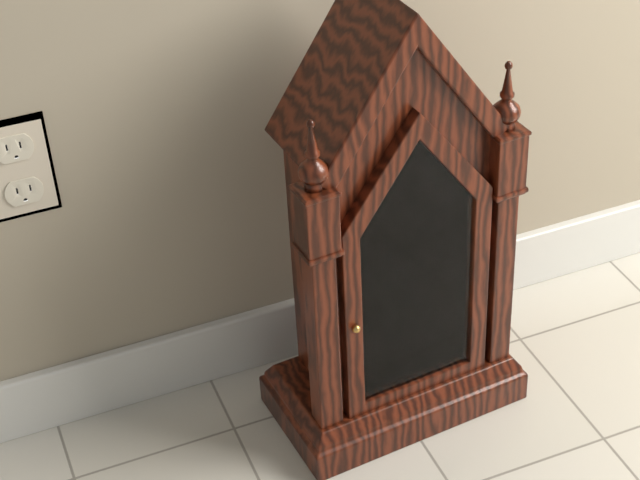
1:15
